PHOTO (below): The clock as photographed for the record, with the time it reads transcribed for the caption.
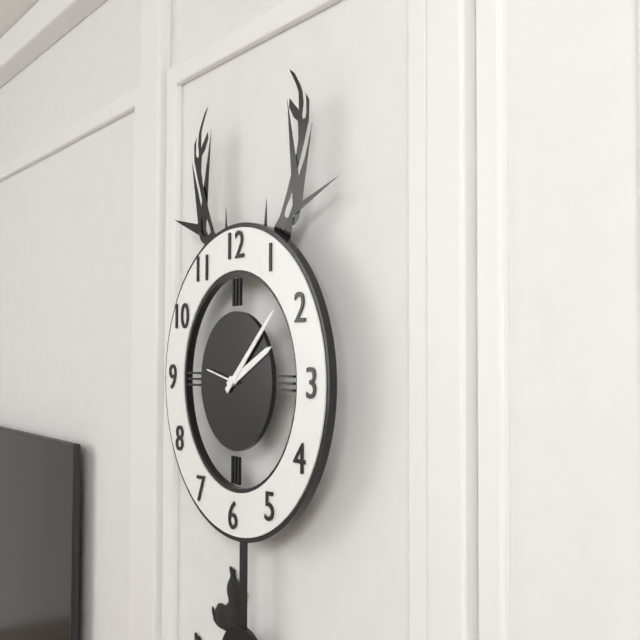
2:08
